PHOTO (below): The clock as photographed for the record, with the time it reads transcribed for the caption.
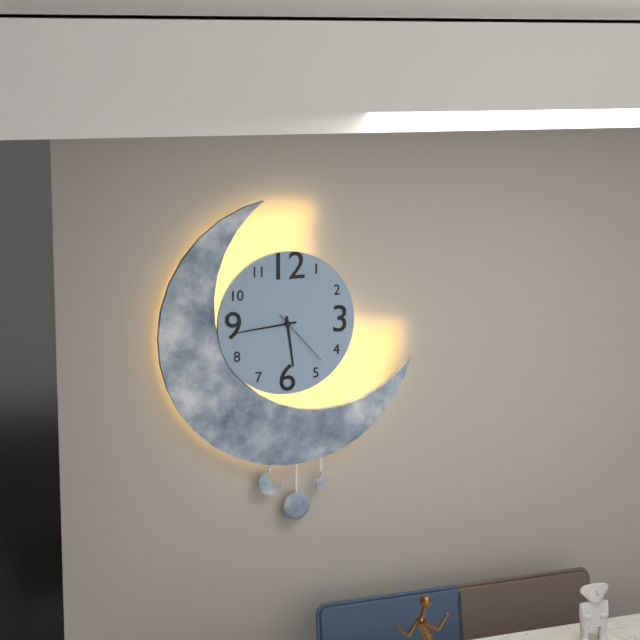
5:44:23
